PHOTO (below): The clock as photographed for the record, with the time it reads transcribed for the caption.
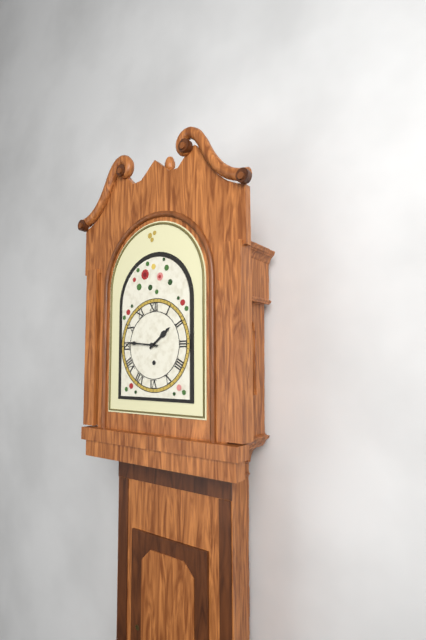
1:46
